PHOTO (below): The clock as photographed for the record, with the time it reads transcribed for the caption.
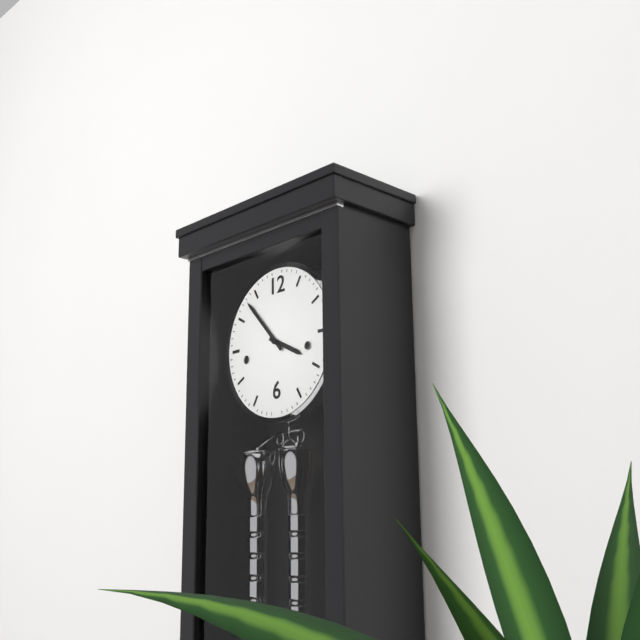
3:53
